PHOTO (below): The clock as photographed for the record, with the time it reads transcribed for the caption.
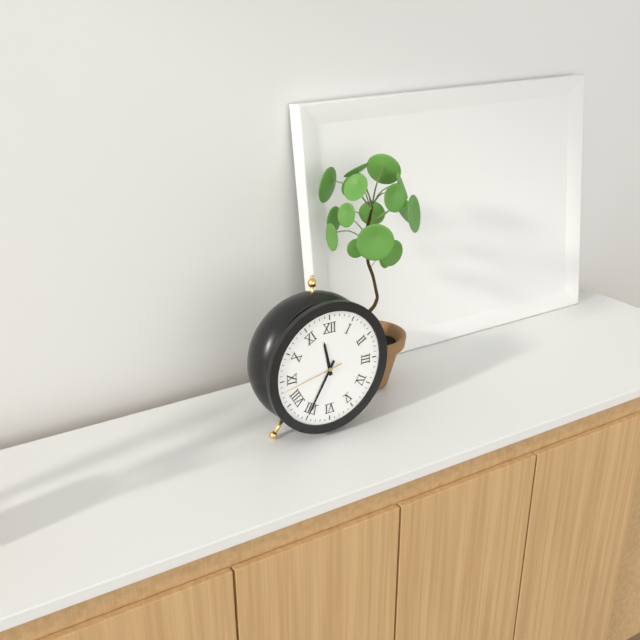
11:35:43
